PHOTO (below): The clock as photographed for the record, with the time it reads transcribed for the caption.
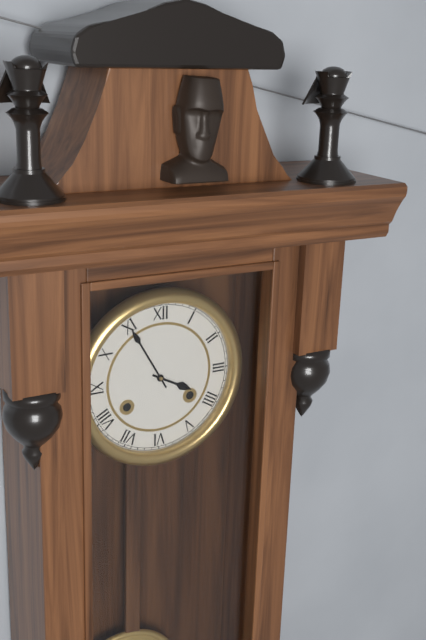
3:55
